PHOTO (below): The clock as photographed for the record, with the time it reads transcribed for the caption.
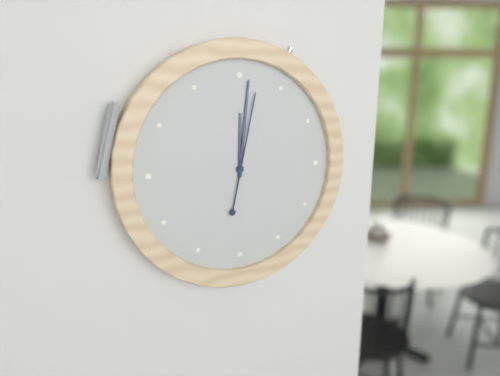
12:01:02
